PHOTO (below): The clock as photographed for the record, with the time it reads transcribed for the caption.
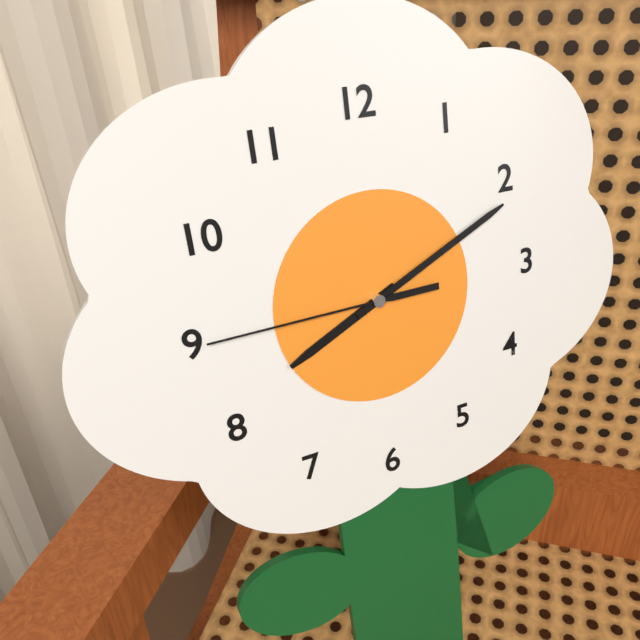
8:11:45
